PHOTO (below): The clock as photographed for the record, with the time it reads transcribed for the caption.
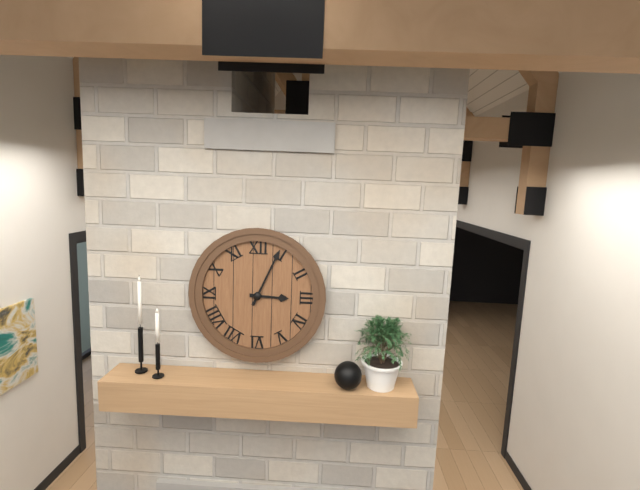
3:04
